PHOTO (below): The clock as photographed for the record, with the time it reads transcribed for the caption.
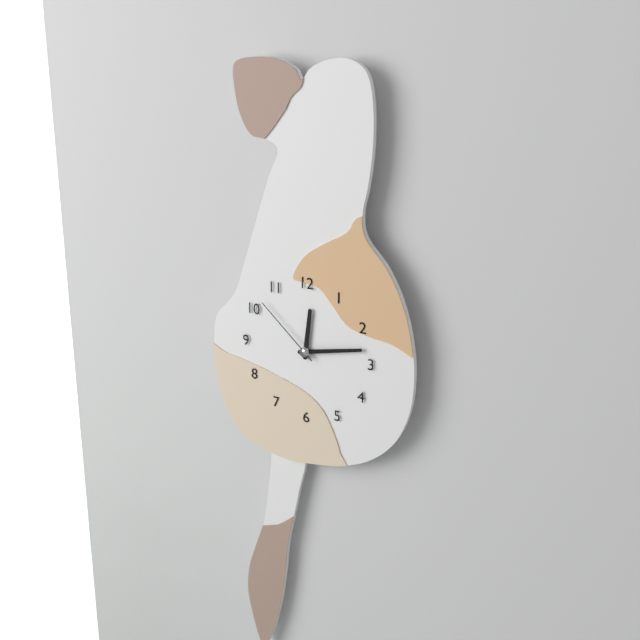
12:13:52
